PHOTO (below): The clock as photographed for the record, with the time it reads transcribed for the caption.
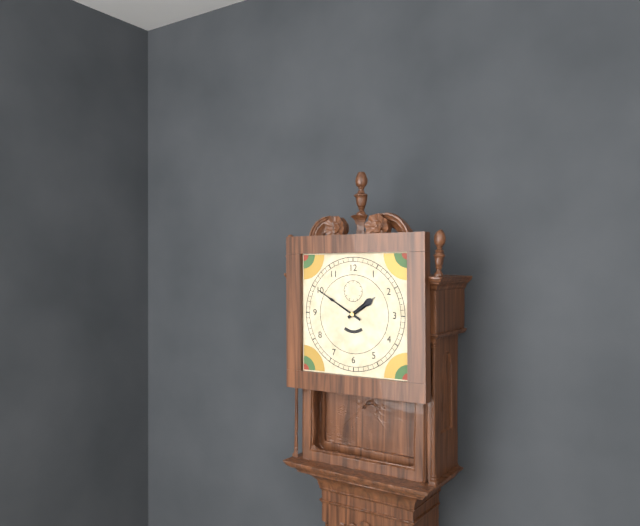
1:50
